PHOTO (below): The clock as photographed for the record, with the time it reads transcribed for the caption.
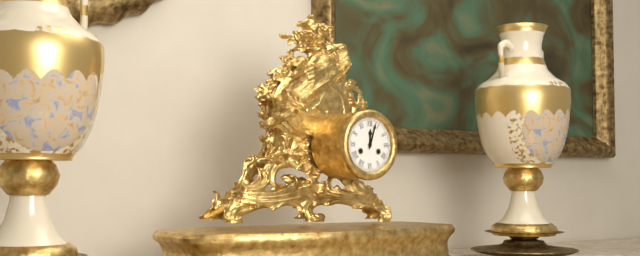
12:03
